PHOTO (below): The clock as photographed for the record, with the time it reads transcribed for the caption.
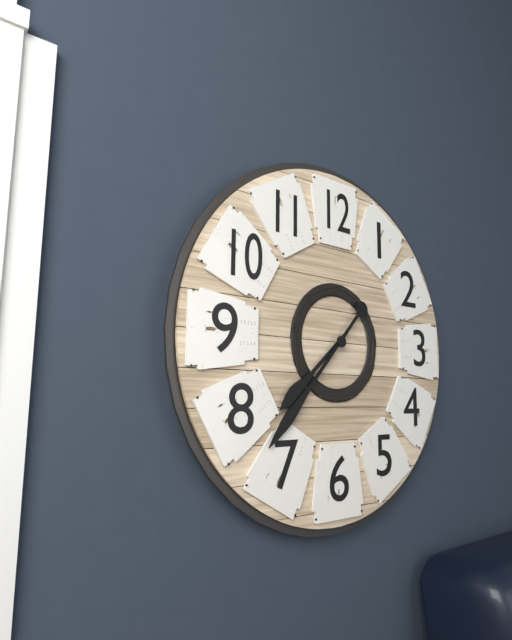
7:37
